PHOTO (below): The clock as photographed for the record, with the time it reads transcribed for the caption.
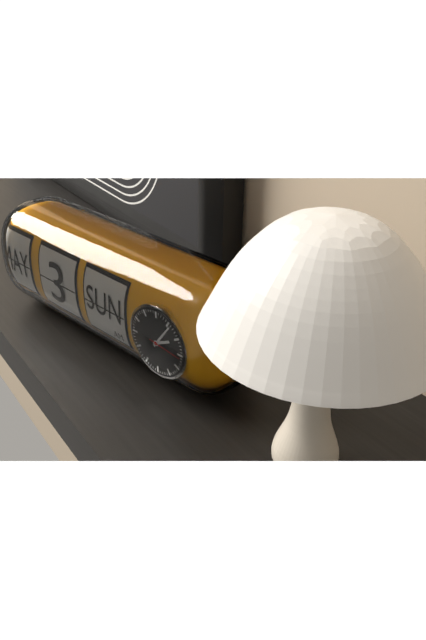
2:06
